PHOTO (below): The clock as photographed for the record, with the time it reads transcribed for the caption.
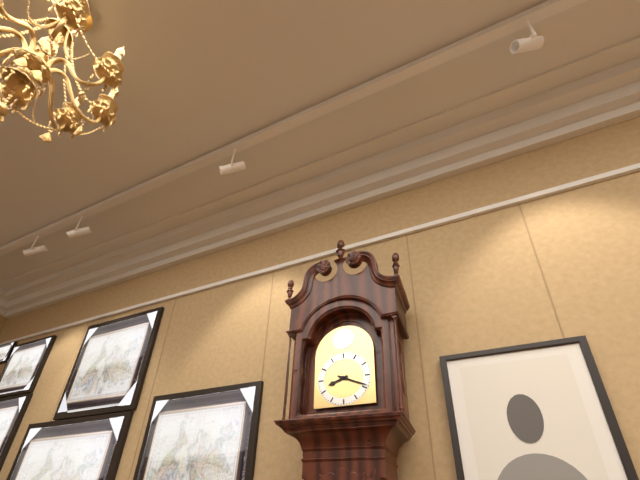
8:19
